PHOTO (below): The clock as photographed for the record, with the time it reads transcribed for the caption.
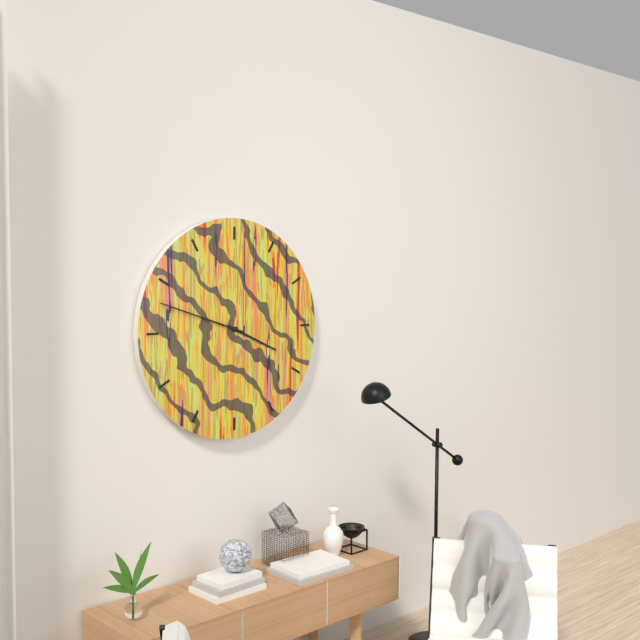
3:48
